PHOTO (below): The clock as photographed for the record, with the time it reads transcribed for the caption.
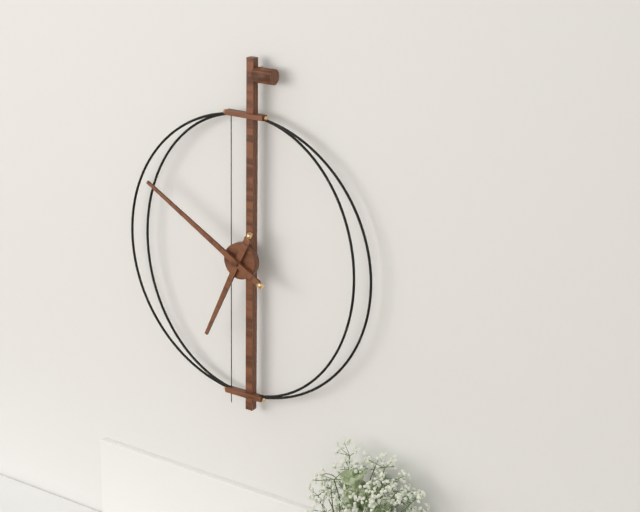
6:50
